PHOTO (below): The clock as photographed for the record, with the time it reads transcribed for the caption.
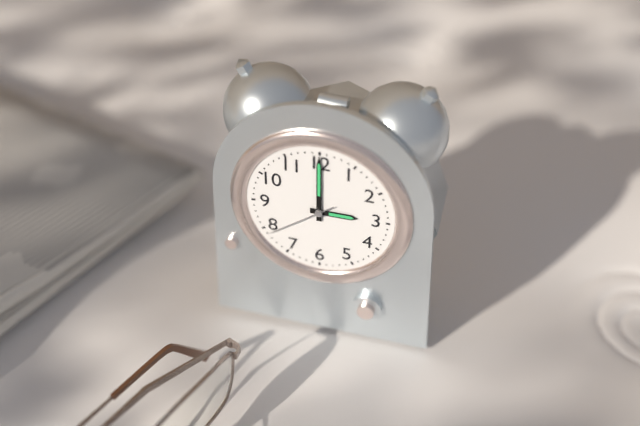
3:00:39
